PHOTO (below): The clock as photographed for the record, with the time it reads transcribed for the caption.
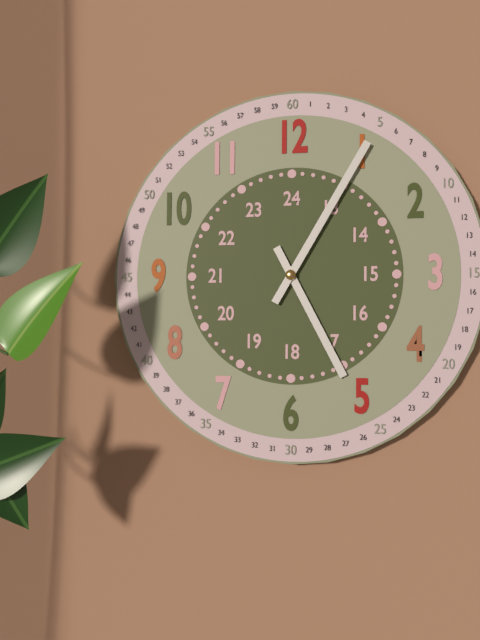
5:05
